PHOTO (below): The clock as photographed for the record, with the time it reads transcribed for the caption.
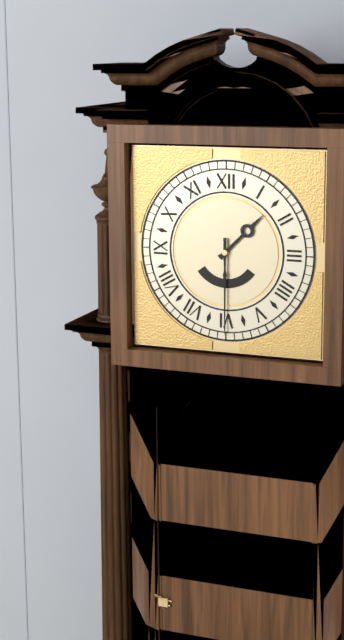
1:30
